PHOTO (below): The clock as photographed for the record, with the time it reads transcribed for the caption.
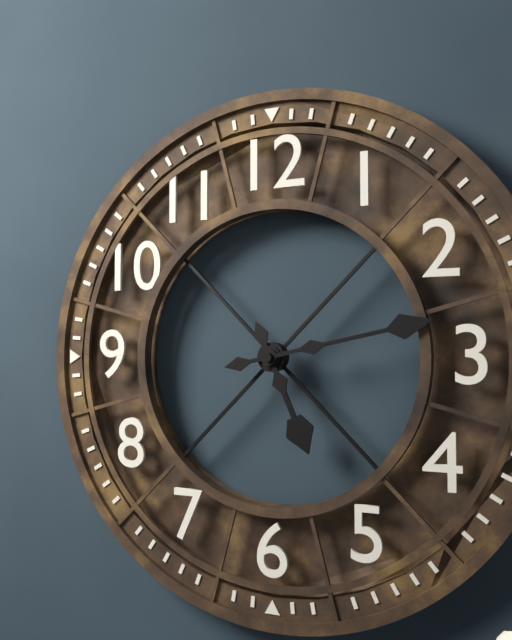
5:13
